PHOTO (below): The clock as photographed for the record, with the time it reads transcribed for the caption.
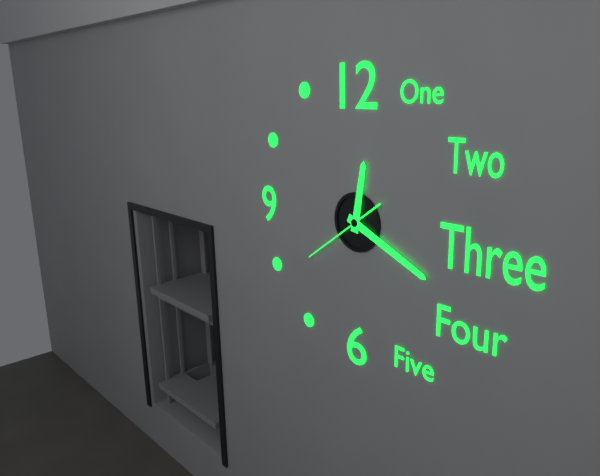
12:19:39
